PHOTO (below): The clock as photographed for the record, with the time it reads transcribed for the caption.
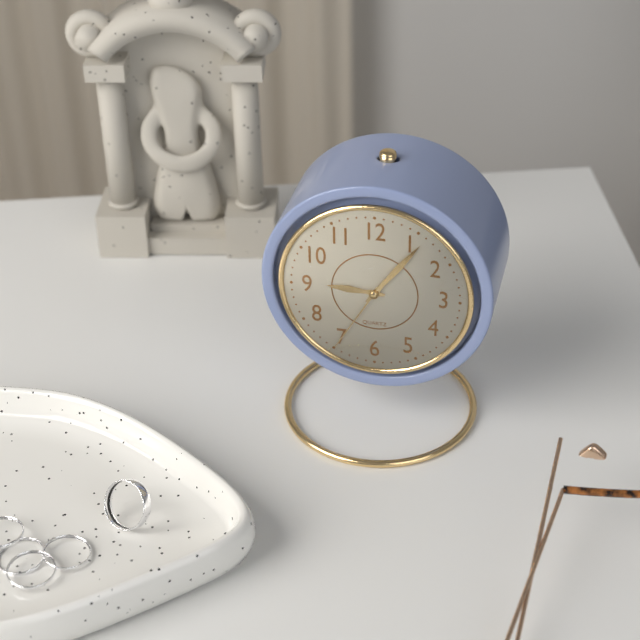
9:06:35
